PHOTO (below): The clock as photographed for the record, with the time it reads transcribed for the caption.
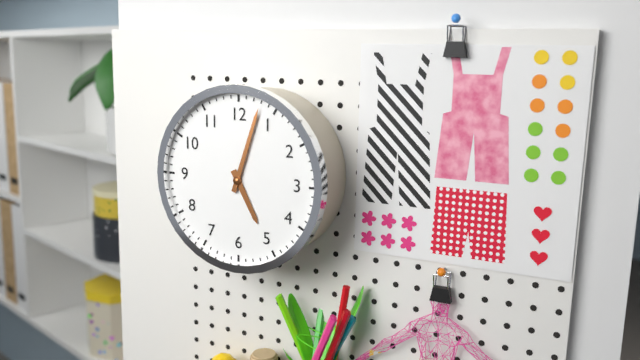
5:03
